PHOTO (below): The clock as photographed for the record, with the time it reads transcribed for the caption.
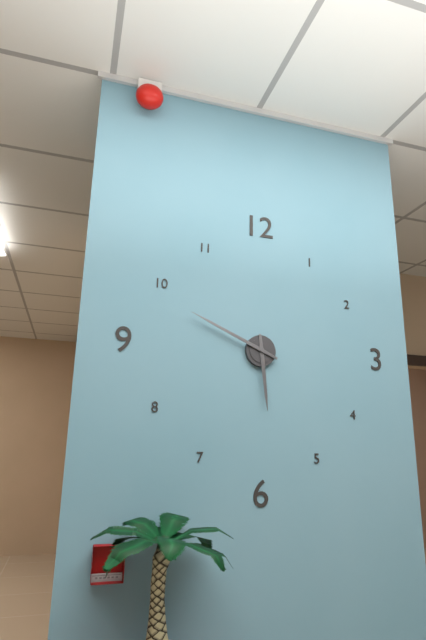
5:49
